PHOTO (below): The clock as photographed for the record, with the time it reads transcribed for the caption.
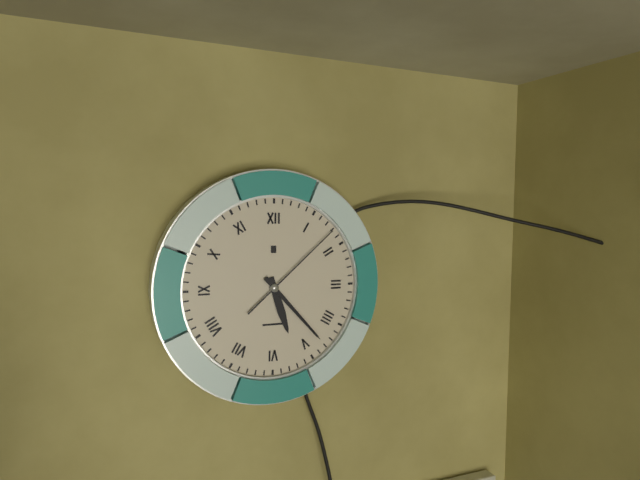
5:23:08
